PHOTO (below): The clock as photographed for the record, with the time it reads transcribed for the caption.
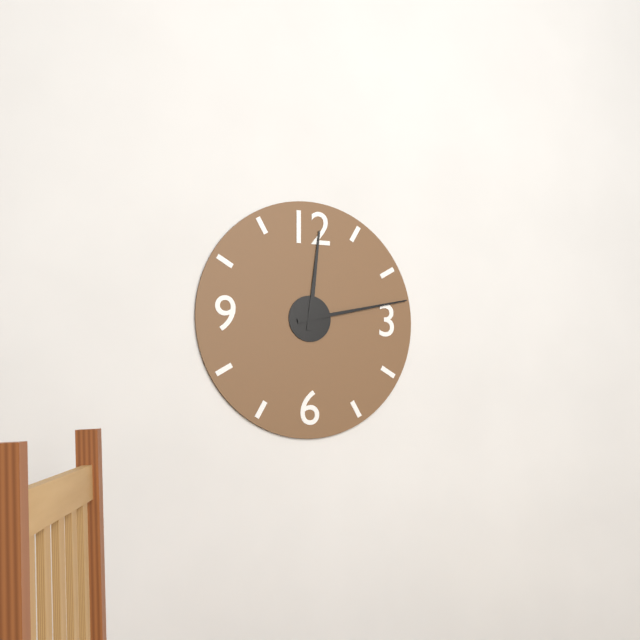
12:13
